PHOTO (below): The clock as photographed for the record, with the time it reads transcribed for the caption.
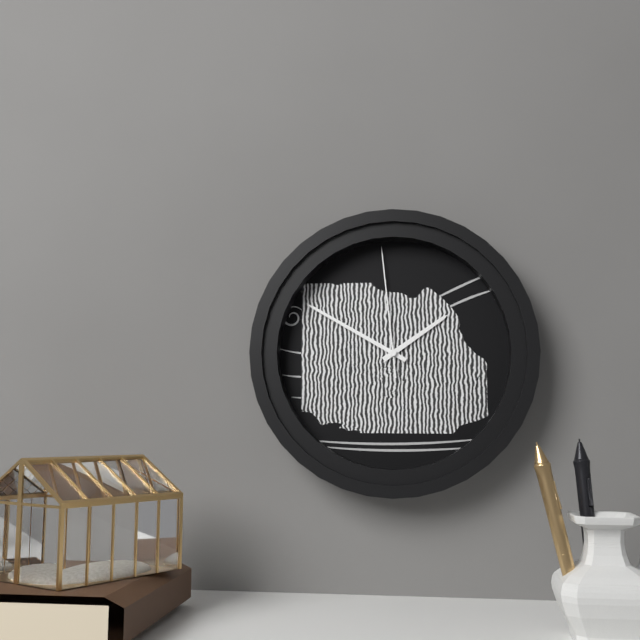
1:50:59
